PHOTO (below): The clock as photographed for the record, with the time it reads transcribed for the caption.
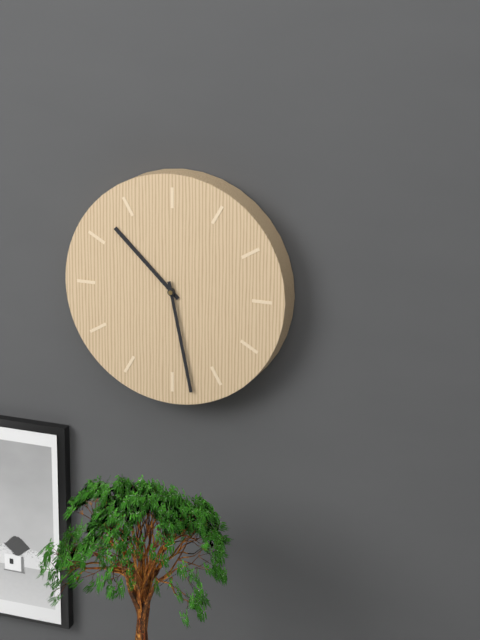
10:28
